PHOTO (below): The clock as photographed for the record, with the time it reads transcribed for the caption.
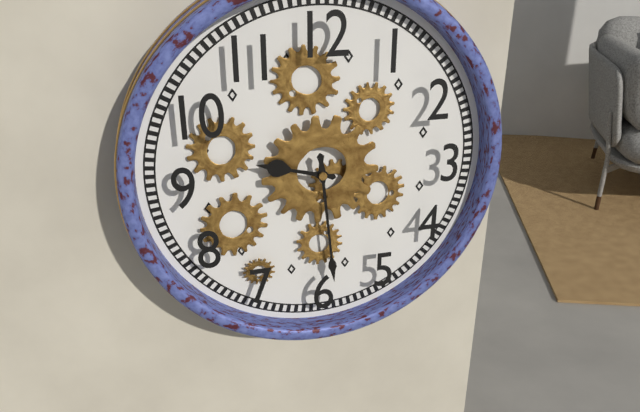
9:29
